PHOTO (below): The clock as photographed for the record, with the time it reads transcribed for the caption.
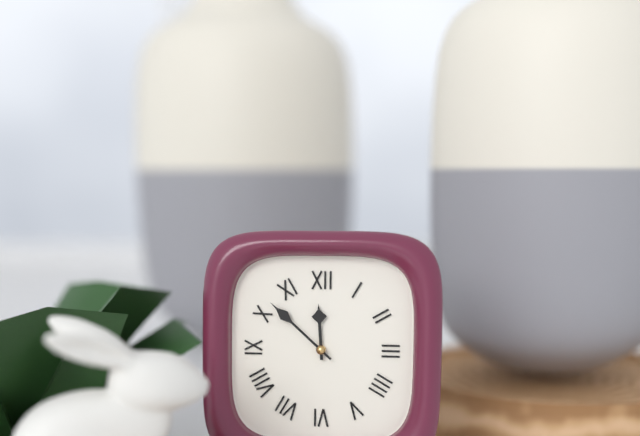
11:52
